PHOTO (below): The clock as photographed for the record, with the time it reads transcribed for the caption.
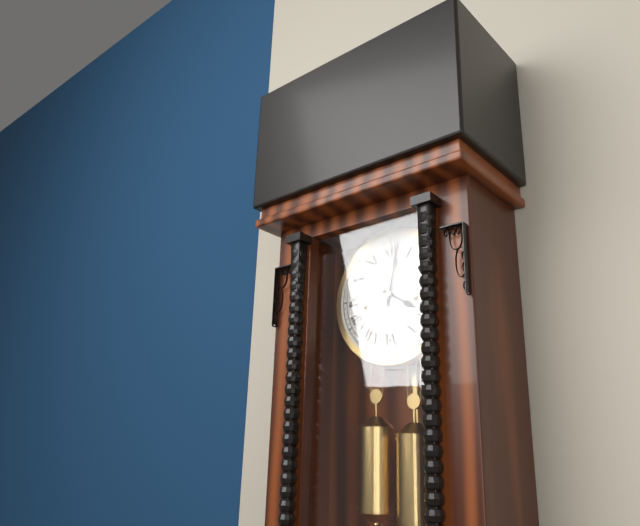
4:02
